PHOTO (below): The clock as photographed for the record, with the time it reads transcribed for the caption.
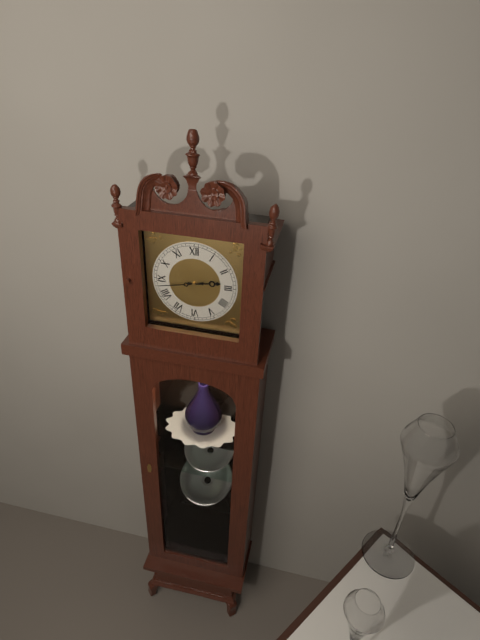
2:43
